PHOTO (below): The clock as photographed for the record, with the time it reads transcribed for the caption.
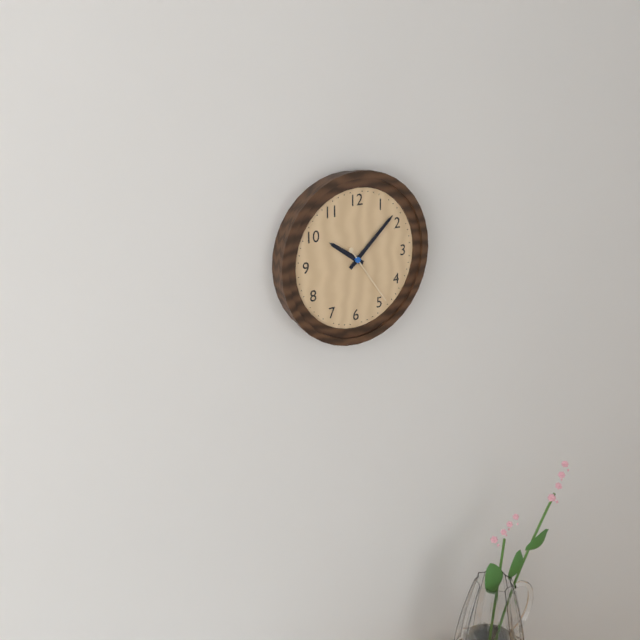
10:08:24
